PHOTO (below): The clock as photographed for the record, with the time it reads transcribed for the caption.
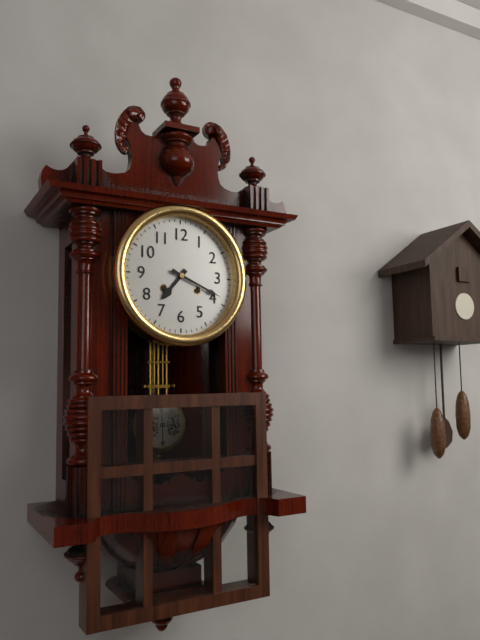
7:19
